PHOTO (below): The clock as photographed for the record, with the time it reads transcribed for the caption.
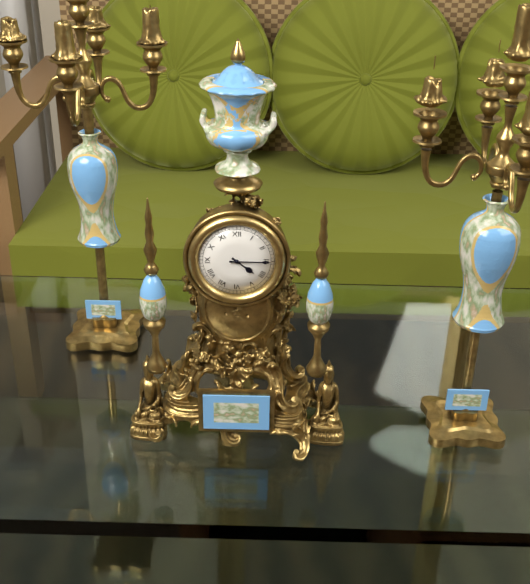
4:15
